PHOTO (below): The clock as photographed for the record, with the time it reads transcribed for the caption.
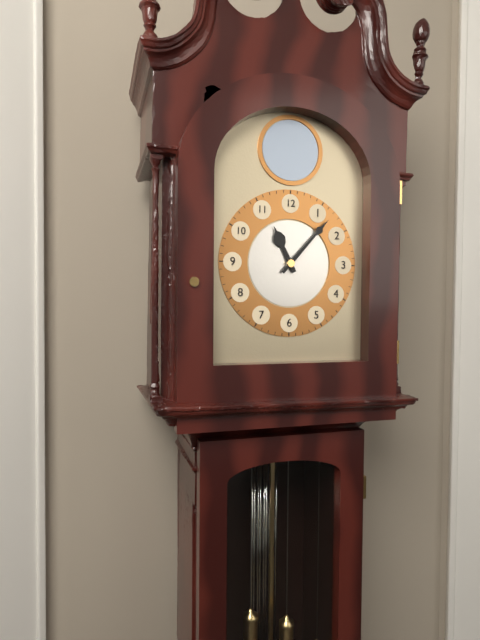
11:07
